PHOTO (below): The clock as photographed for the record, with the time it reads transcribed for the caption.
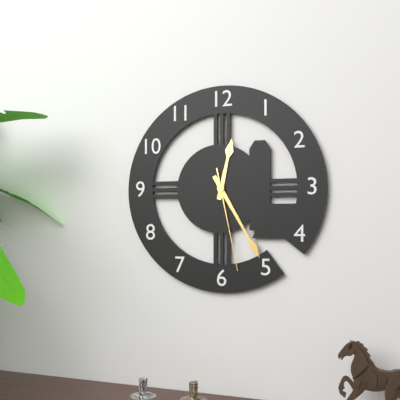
12:25:28
